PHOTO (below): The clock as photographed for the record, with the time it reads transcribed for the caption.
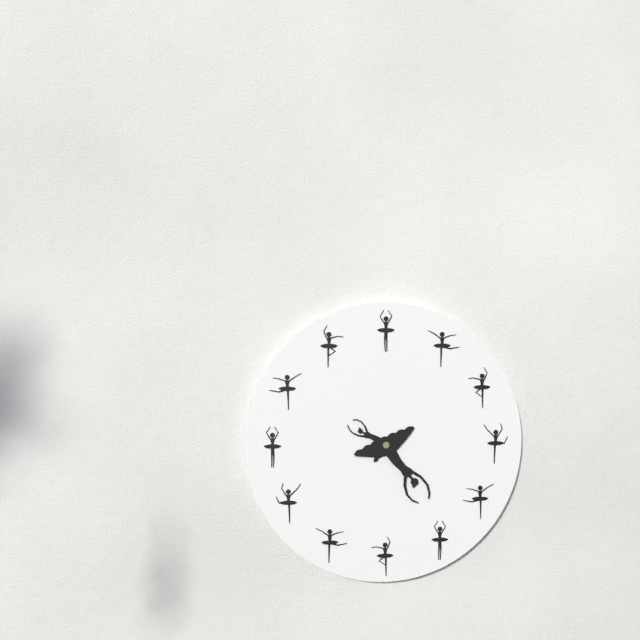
10:26
